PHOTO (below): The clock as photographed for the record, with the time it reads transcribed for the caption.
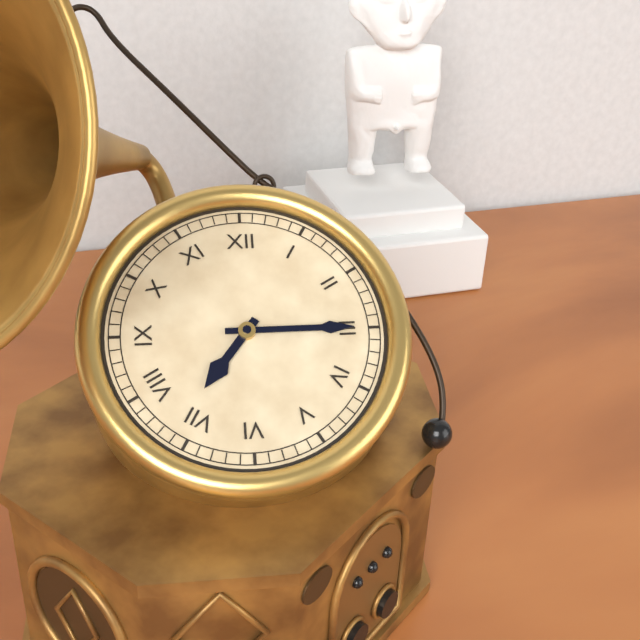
7:15
